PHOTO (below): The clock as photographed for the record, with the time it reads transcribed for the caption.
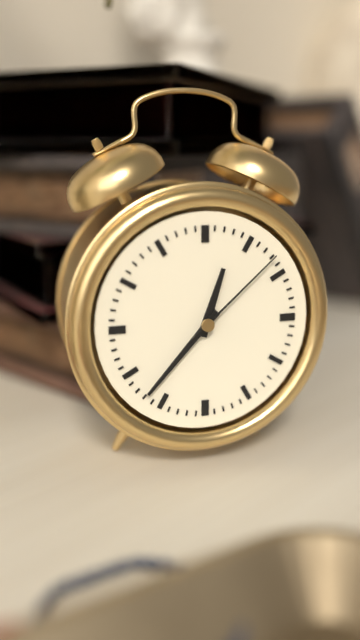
12:37:08
